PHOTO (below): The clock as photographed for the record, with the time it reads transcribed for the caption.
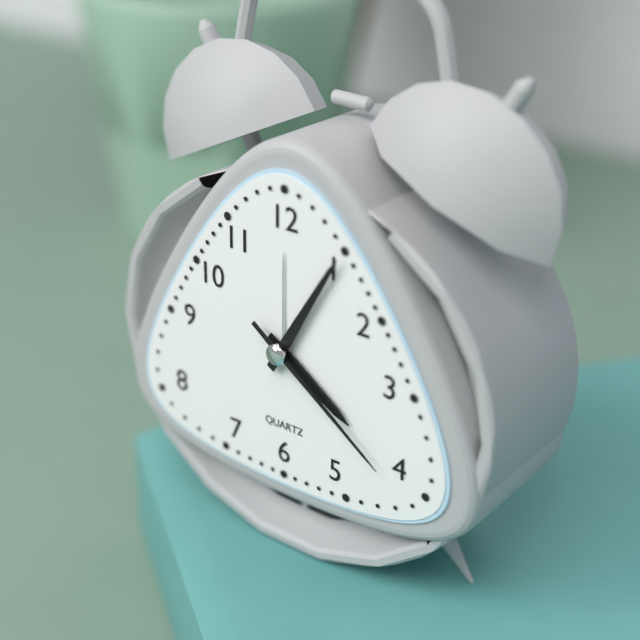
4:05:21
